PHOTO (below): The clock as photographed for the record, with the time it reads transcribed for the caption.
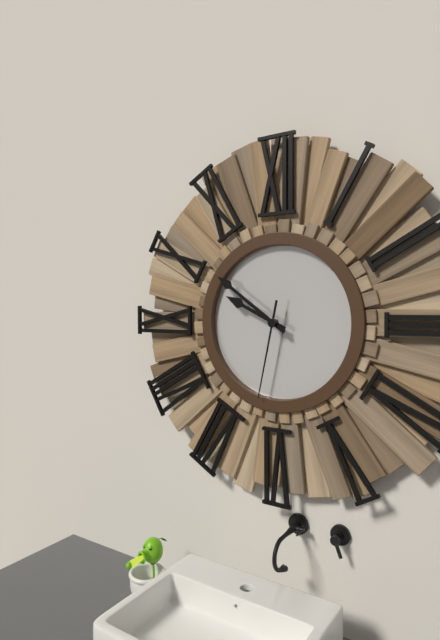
9:51:32
